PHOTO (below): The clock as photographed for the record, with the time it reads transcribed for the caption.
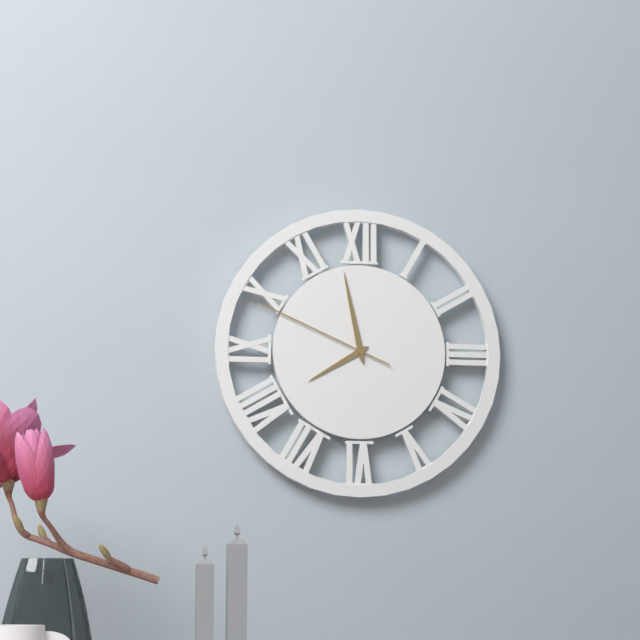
7:58:49
